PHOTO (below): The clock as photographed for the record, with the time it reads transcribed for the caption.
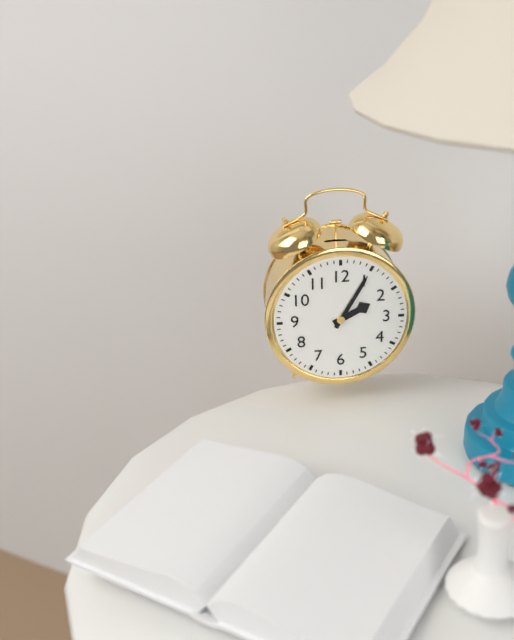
2:05
